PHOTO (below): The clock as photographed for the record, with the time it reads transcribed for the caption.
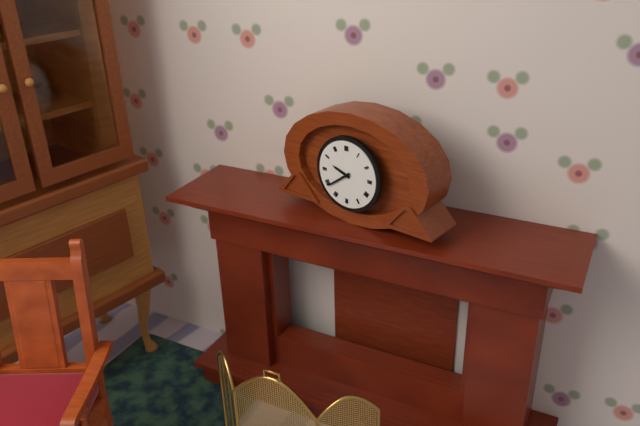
9:39
